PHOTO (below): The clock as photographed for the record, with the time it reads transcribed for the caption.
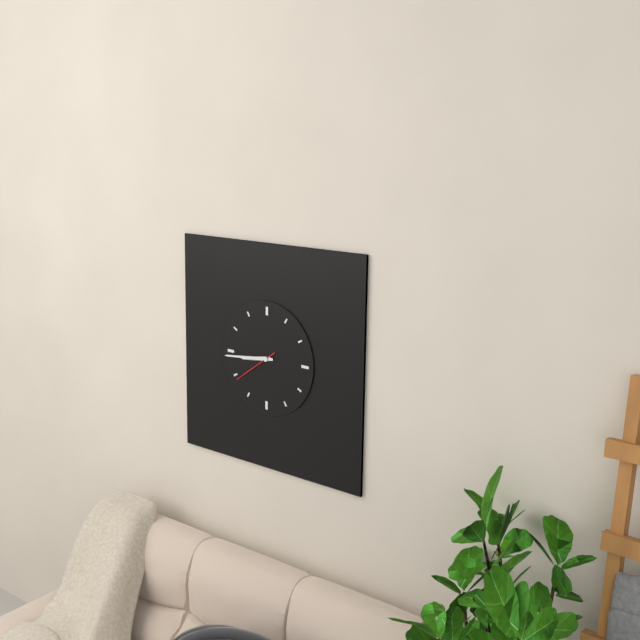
8:44
